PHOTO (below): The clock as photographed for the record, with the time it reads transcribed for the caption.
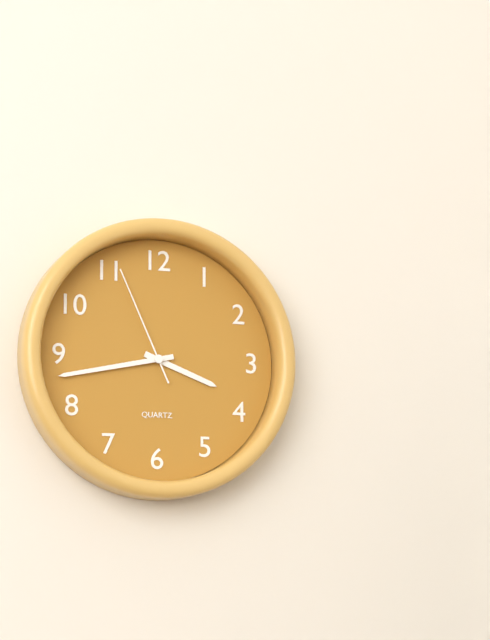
3:43:56
